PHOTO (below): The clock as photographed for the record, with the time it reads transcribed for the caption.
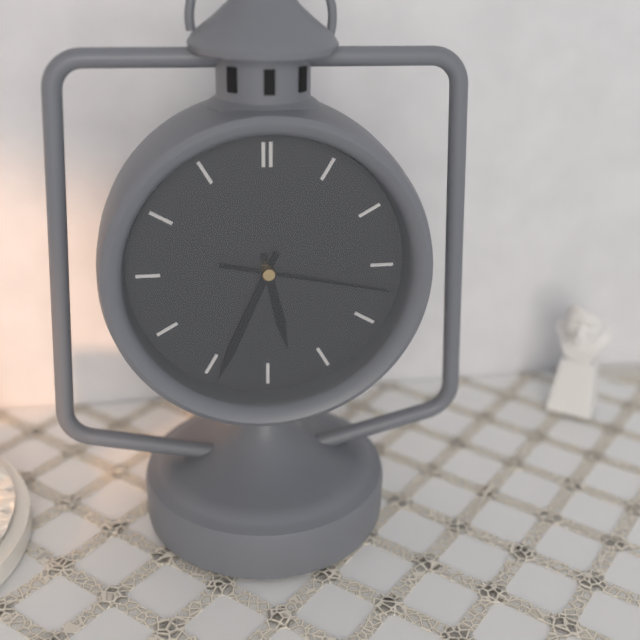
5:34:17
